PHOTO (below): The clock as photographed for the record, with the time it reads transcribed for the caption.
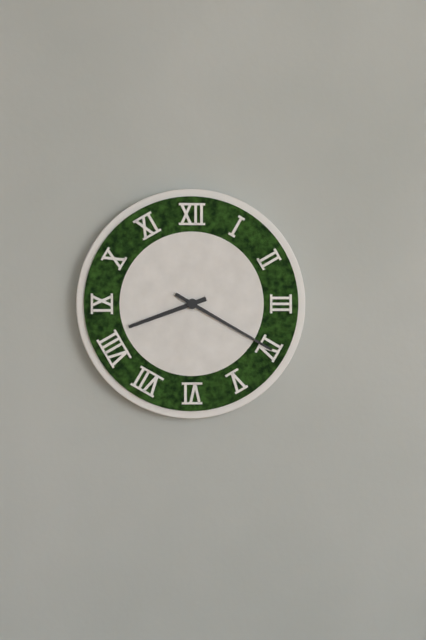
8:20
